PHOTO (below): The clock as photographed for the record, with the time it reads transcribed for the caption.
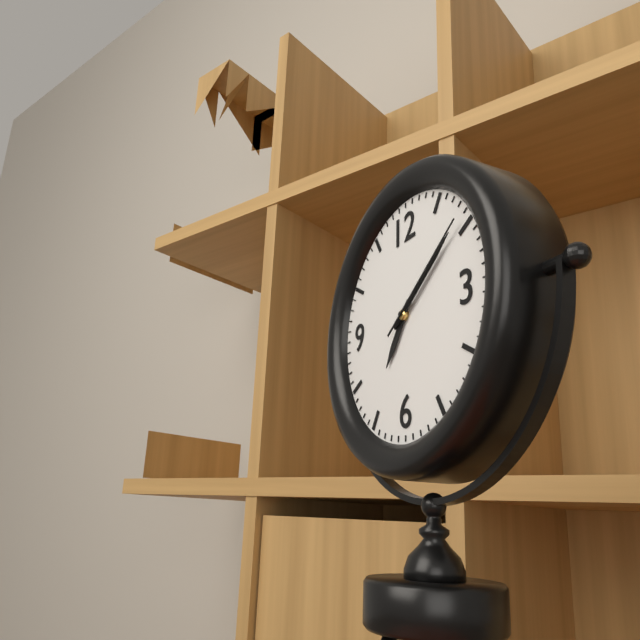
7:09:09
